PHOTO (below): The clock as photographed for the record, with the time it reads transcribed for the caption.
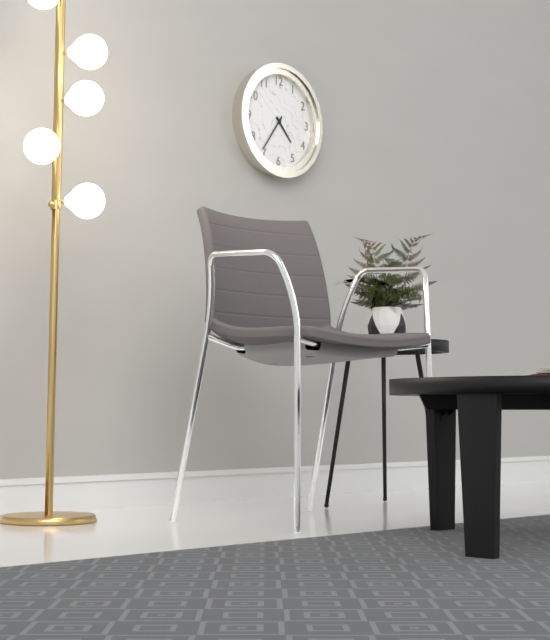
4:36
